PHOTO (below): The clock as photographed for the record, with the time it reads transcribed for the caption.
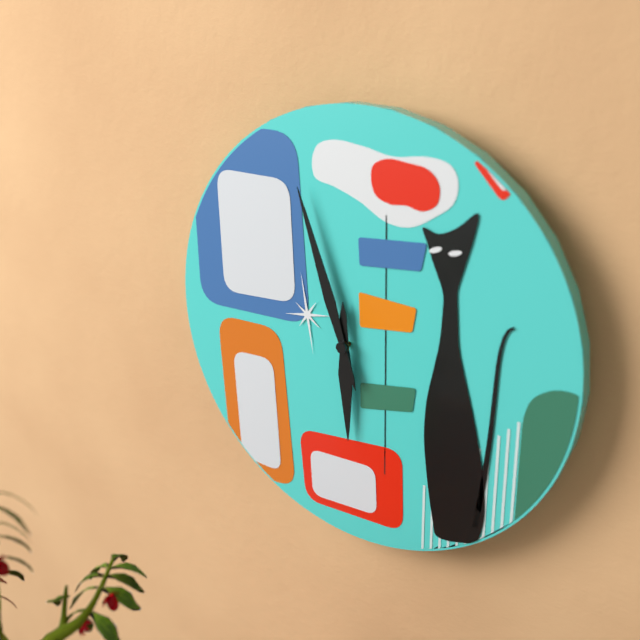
5:57
